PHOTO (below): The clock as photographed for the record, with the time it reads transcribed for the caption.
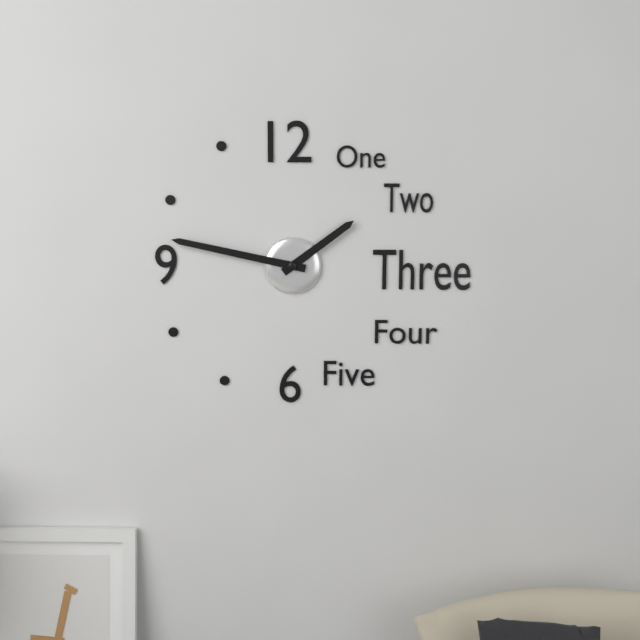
1:47
